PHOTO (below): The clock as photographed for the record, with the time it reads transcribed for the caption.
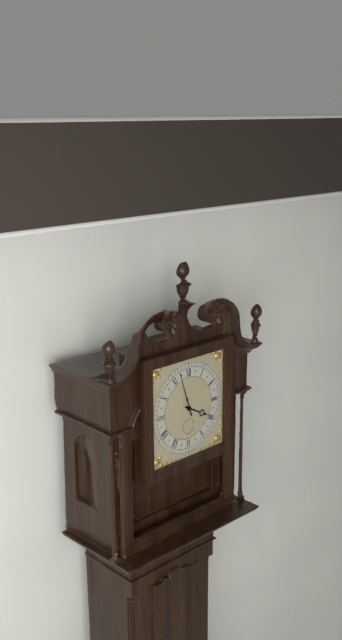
3:57
